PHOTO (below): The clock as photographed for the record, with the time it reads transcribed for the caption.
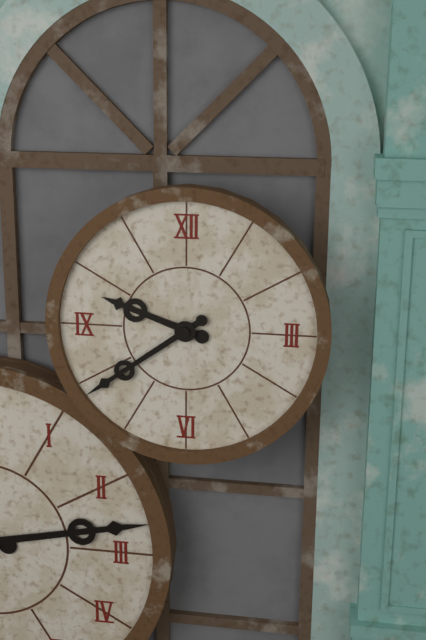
9:39
